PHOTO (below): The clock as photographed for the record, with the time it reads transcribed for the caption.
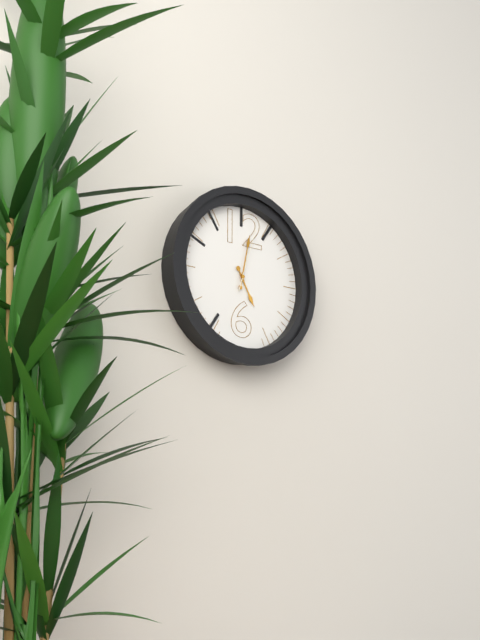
5:02:03
